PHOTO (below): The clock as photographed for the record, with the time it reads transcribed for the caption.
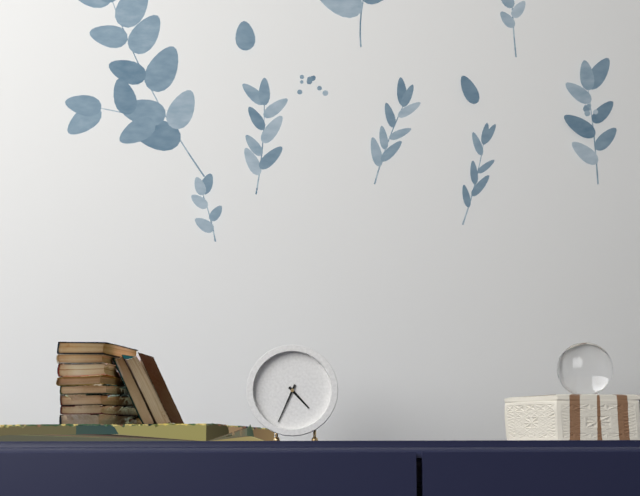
4:34
